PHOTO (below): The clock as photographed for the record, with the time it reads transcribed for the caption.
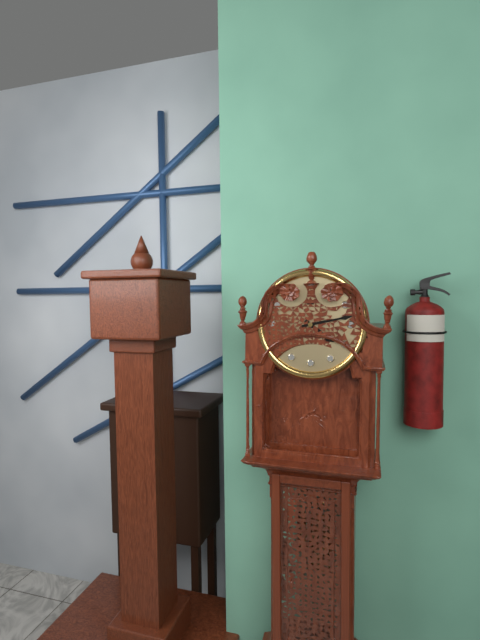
4:13
